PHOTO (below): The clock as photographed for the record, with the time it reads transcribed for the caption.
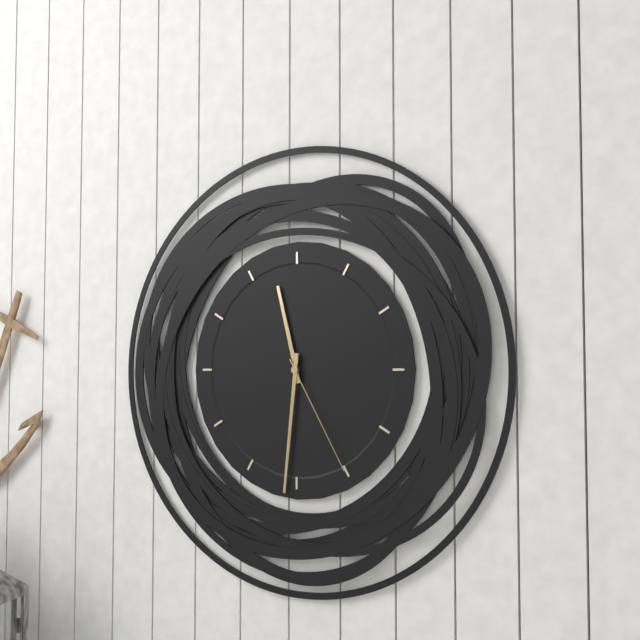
11:31:25
